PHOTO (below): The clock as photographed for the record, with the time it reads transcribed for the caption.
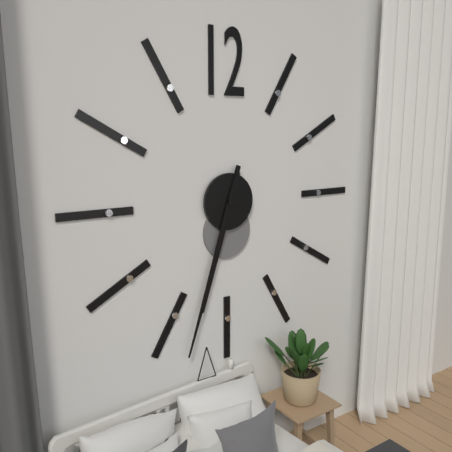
6:33
